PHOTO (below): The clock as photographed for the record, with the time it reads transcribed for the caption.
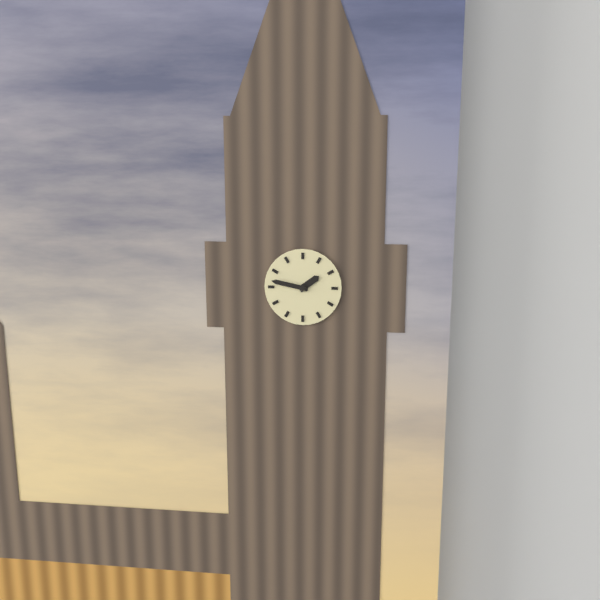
1:47
